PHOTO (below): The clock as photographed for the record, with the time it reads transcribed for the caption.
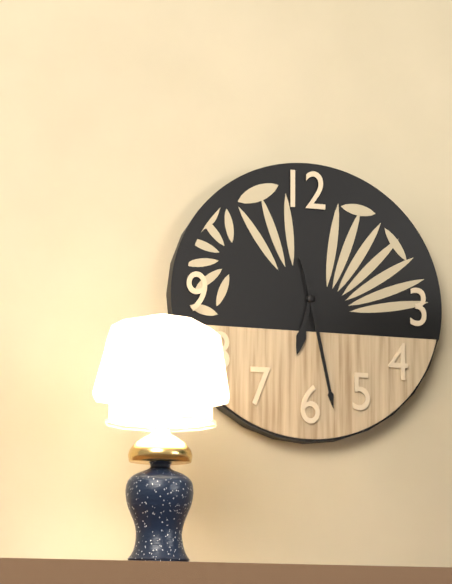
6:28
